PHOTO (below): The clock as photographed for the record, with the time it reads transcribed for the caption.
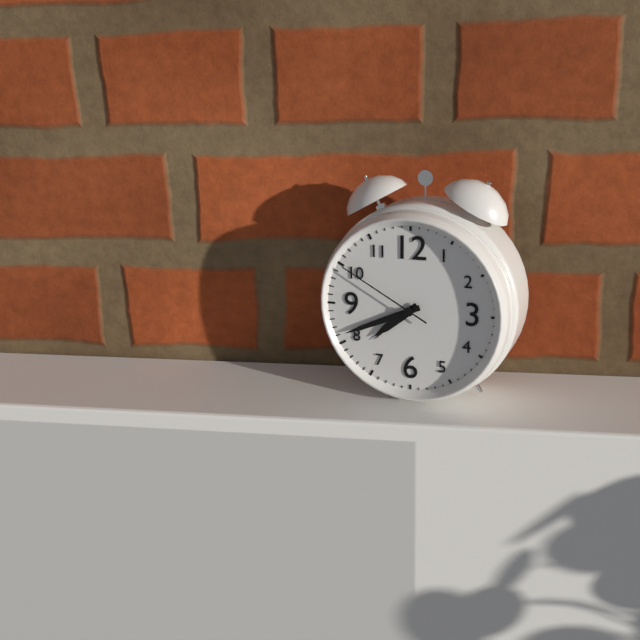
7:41:50
